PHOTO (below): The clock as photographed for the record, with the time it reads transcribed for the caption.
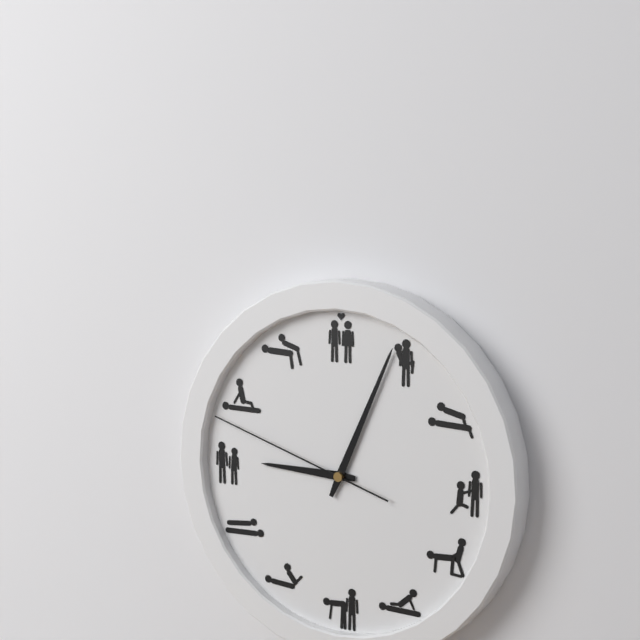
9:04:48
